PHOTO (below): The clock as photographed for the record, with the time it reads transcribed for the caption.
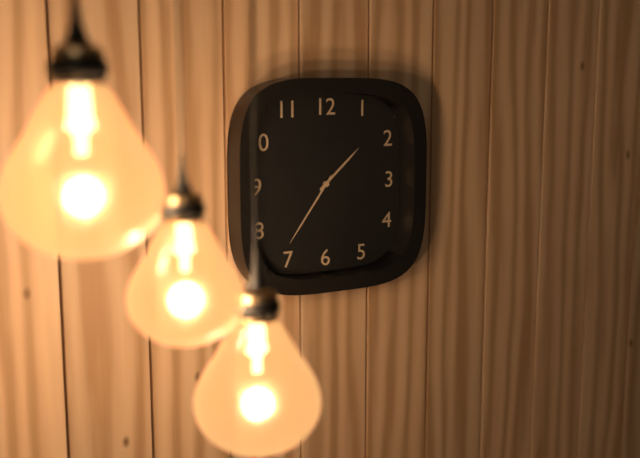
1:36
